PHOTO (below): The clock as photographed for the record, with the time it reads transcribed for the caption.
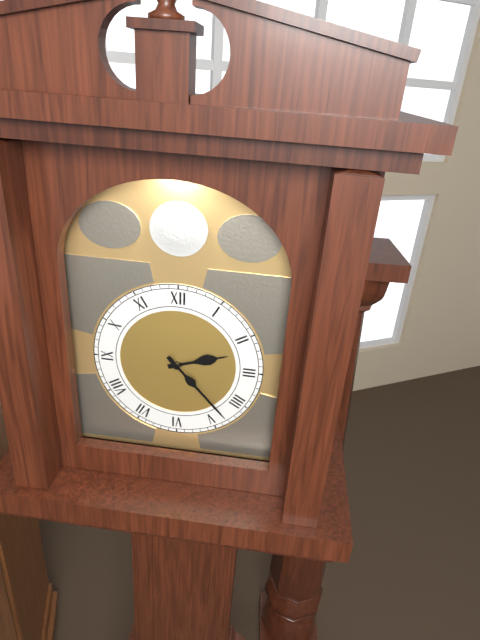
2:23
